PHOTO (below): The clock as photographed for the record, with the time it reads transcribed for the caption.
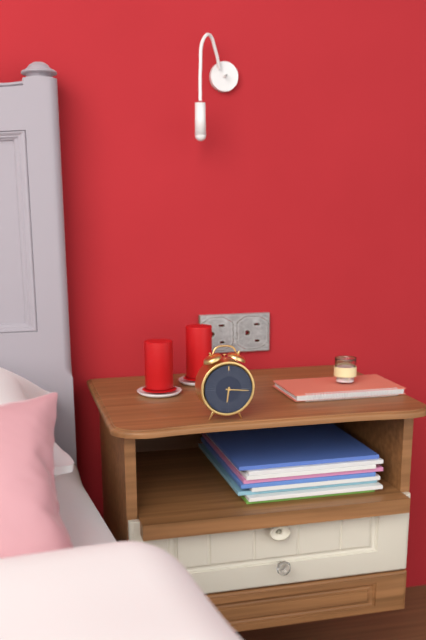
6:16
